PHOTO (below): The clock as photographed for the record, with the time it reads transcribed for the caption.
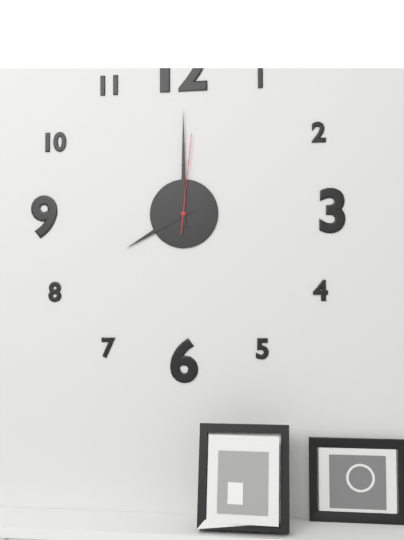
8:00:01
